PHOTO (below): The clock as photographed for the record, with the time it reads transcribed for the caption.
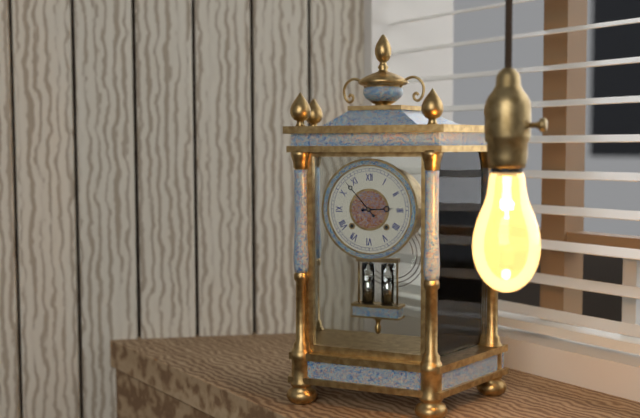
2:53
